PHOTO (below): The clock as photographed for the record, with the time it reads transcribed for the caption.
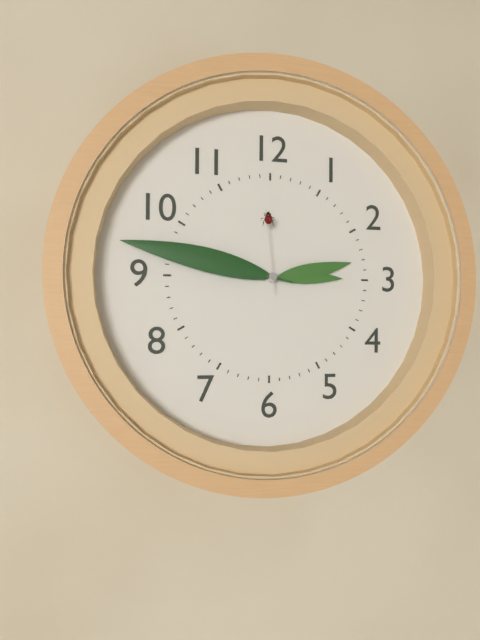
2:47:59
